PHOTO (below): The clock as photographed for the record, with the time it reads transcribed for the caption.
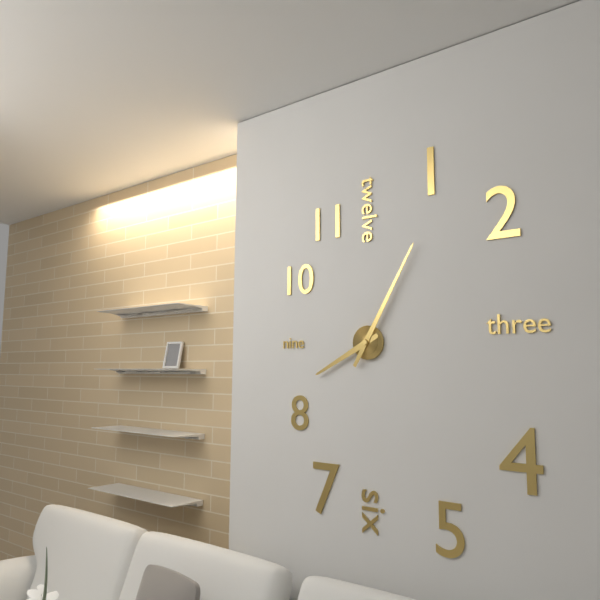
8:05
